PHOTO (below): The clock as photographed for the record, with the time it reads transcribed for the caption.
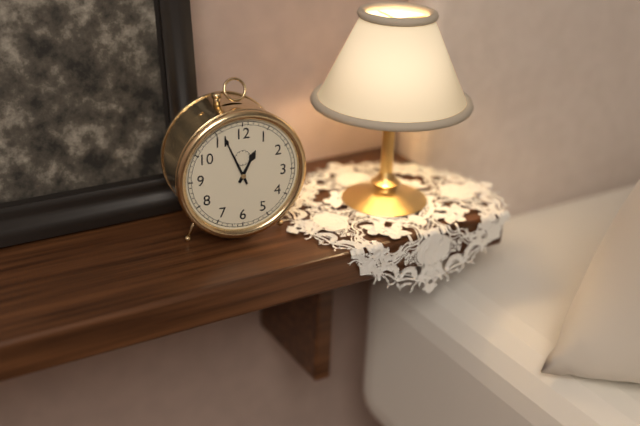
12:56
